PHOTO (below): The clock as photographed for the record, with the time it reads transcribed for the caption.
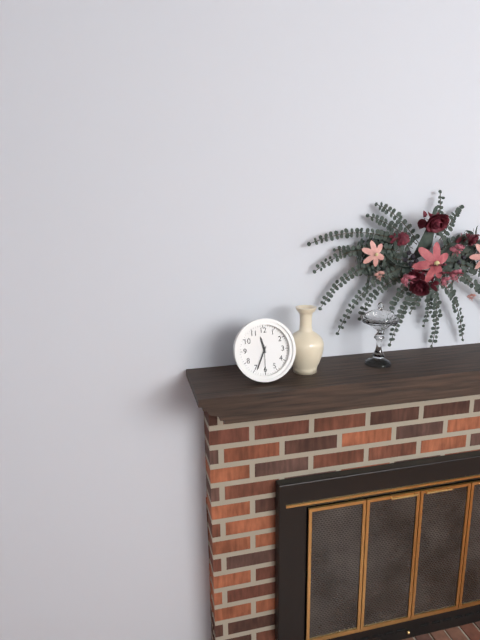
11:34
